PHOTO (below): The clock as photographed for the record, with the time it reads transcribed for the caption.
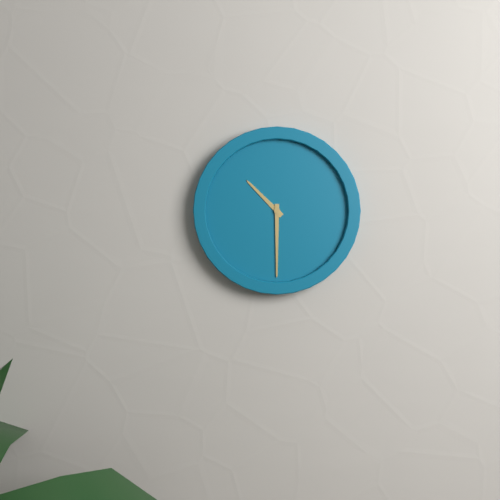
10:30
